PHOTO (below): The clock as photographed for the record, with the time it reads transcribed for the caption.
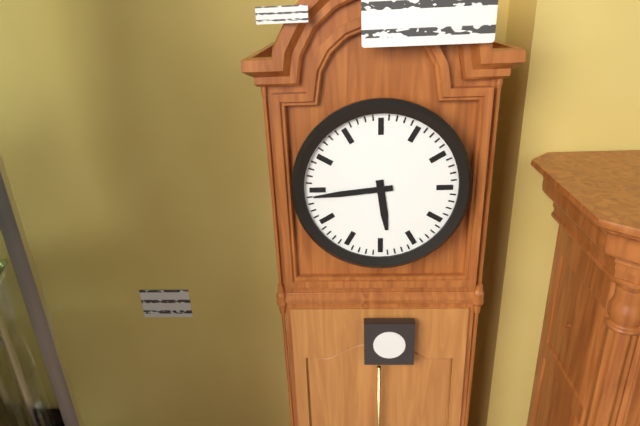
5:44
